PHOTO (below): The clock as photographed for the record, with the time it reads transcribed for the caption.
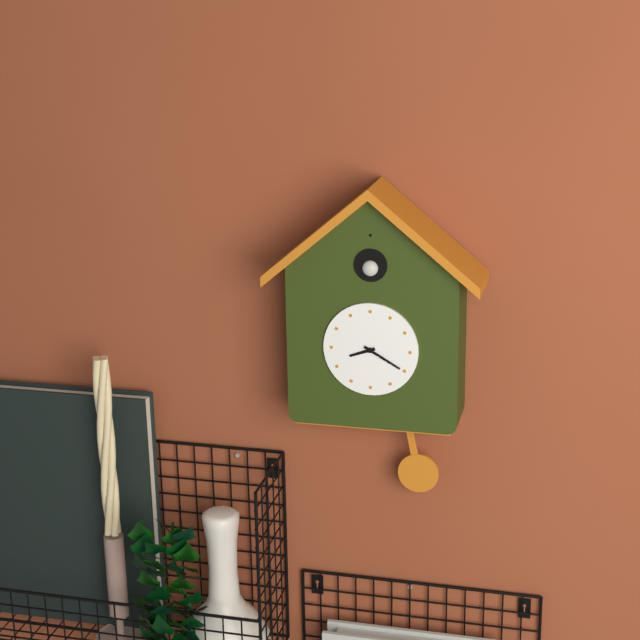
8:20
